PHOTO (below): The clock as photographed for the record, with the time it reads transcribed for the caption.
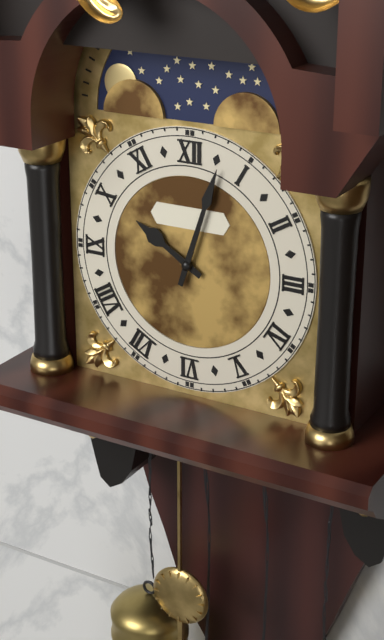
10:03
